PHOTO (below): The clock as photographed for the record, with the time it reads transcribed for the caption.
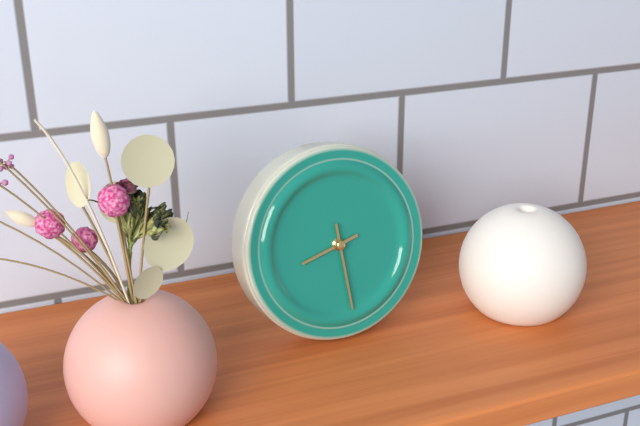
8:29
